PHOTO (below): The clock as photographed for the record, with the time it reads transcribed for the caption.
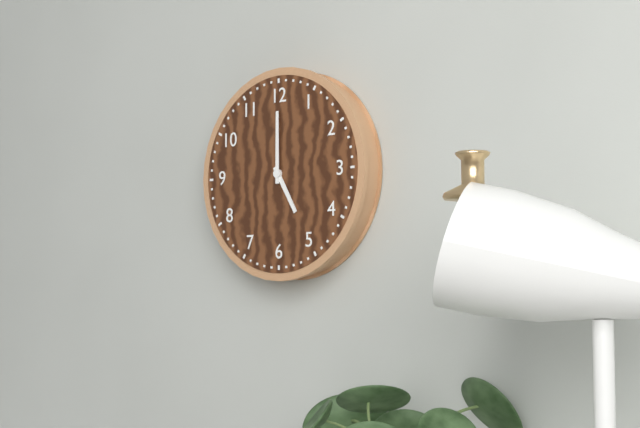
5:00
